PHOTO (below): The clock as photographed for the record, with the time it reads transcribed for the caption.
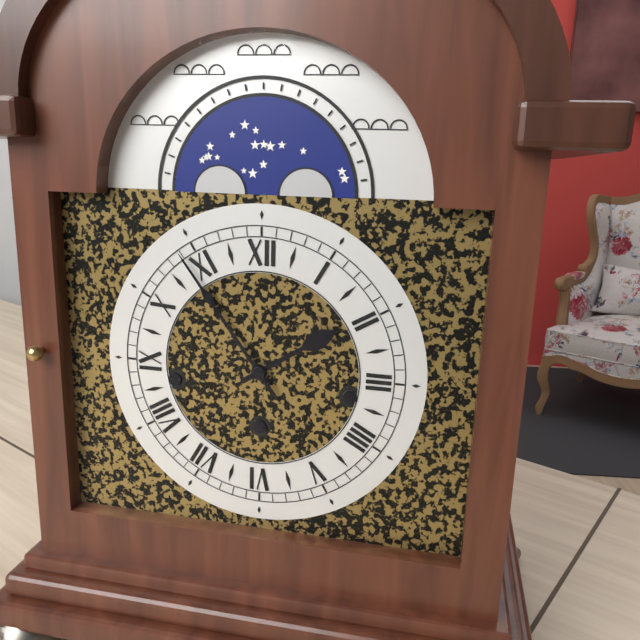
1:54
